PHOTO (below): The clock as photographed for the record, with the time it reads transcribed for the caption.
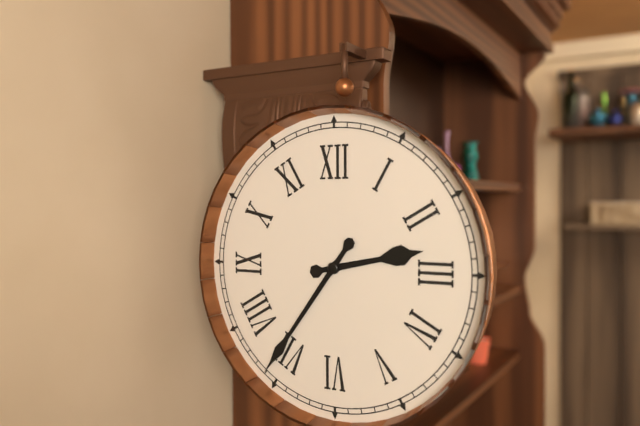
2:36
